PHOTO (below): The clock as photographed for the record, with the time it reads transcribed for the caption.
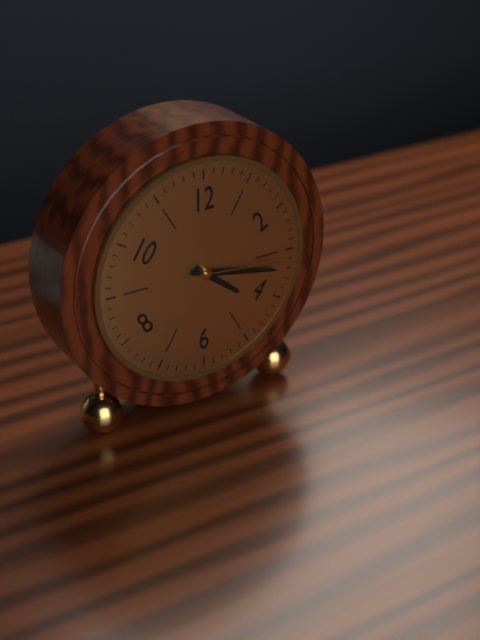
4:17:16
